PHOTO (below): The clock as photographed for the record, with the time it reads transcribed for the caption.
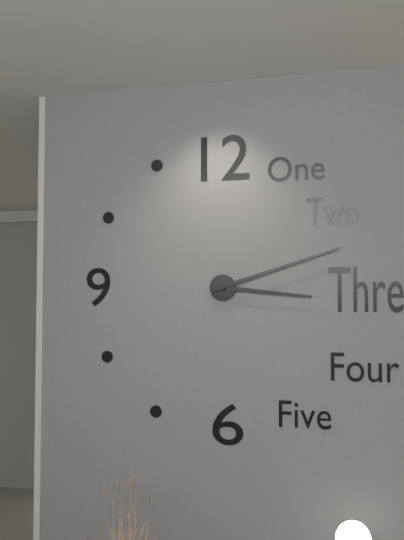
3:12
